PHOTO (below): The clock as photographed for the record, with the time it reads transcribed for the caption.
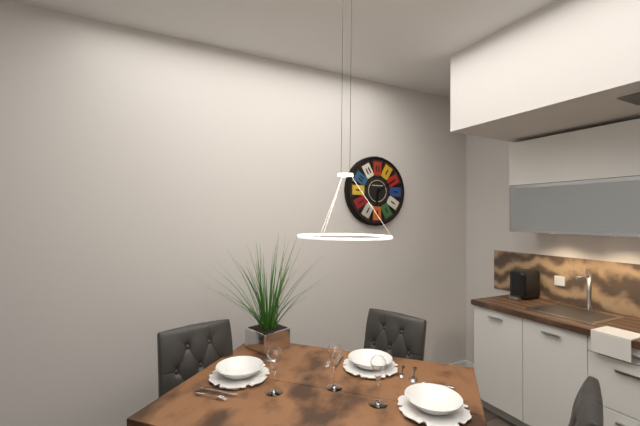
6:10
